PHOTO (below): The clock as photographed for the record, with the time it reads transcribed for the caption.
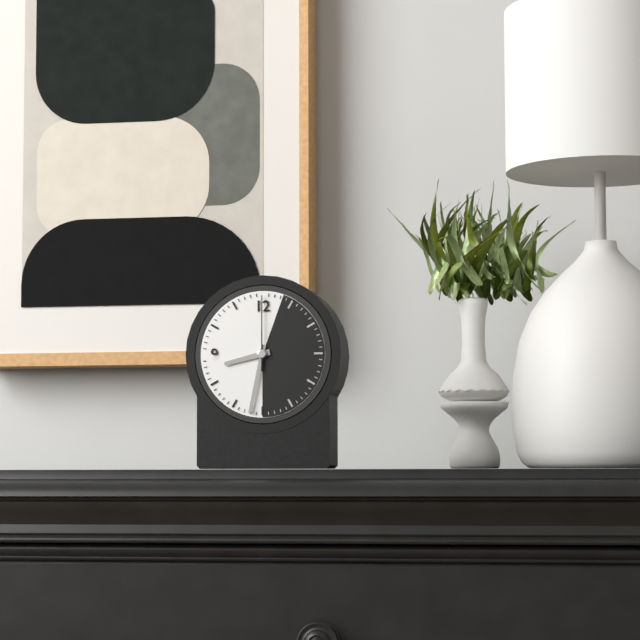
8:32:00
